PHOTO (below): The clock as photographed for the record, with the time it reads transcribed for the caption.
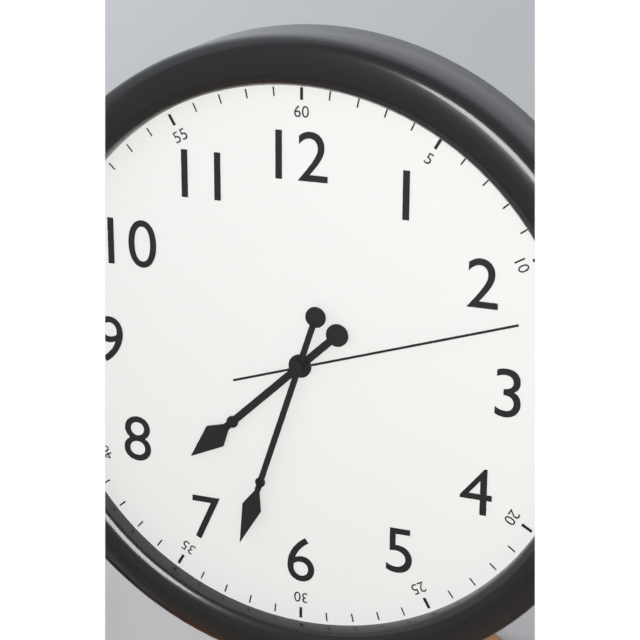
7:33:12
